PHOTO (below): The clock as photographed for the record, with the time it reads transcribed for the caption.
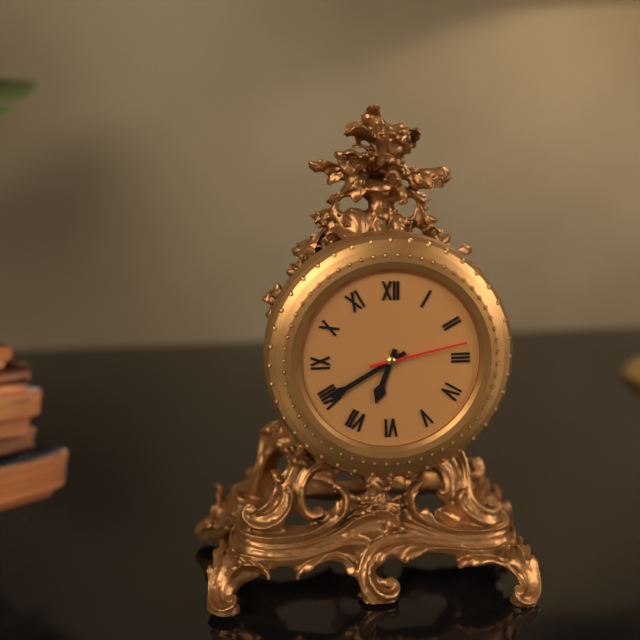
6:40:13
